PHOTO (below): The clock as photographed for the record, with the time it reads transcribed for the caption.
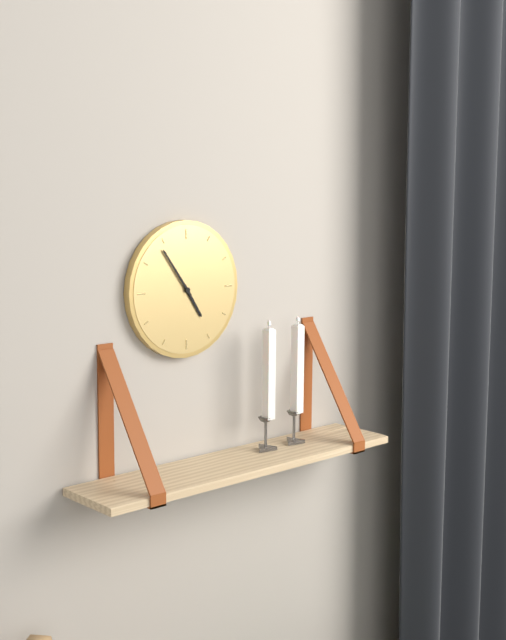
4:54
